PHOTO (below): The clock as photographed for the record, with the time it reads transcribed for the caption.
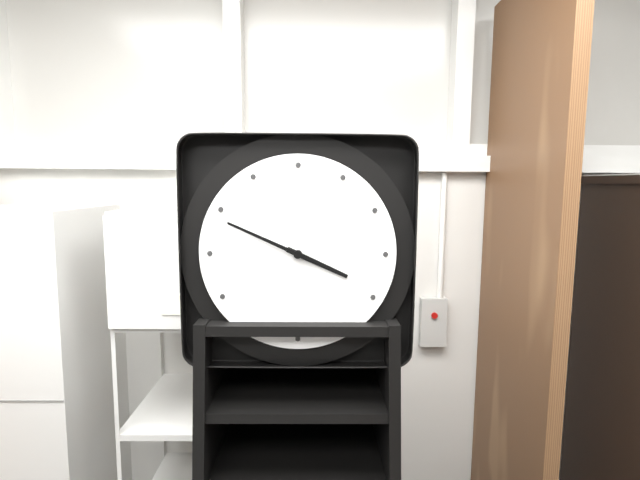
3:49
